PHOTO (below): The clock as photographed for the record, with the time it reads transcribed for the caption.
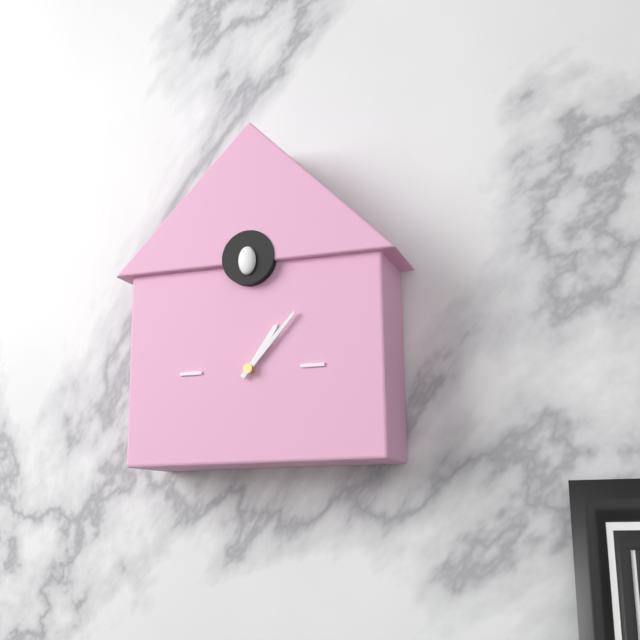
1:07
